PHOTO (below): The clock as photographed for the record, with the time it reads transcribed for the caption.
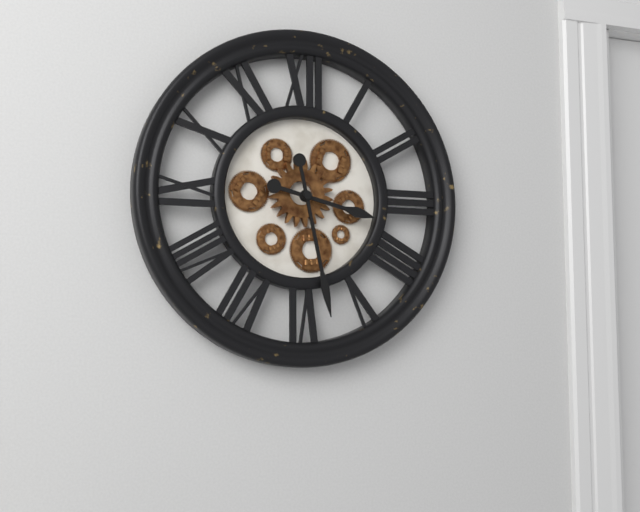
3:28
